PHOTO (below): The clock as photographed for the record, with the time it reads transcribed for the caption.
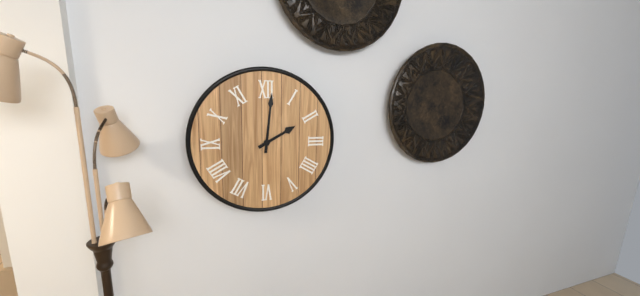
2:01
